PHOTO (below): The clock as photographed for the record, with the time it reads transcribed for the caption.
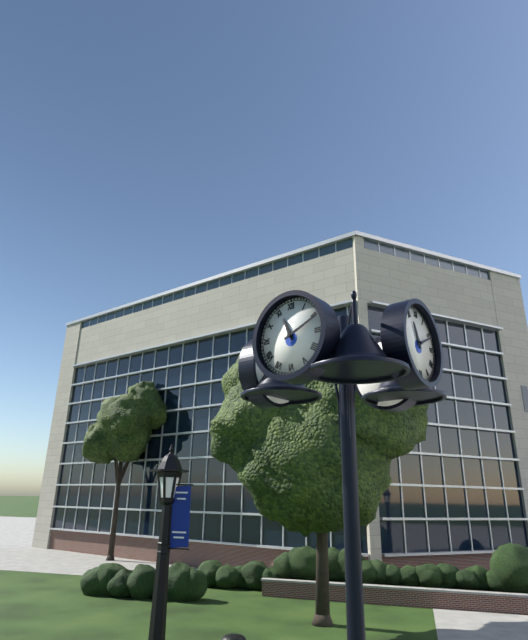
11:11
